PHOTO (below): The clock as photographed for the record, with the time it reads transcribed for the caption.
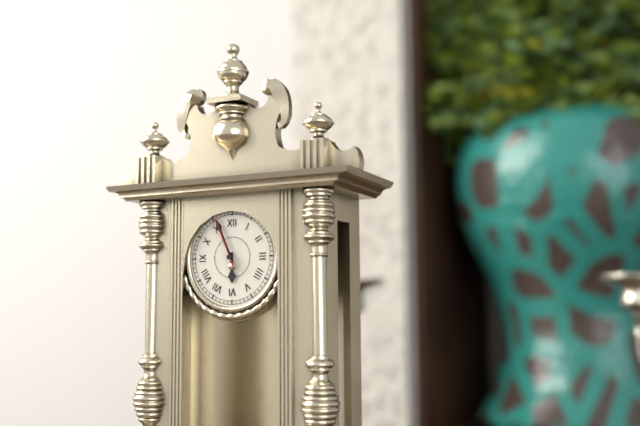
5:56:56
